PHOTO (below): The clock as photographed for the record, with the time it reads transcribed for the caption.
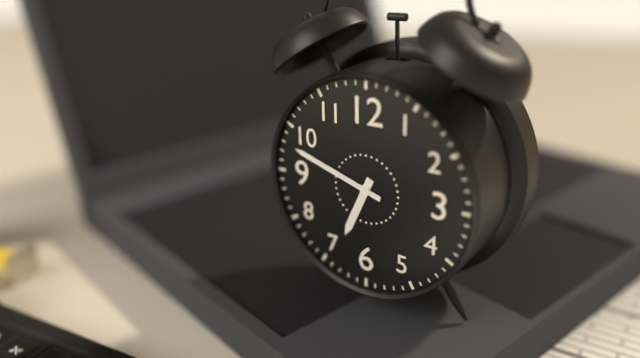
6:48
